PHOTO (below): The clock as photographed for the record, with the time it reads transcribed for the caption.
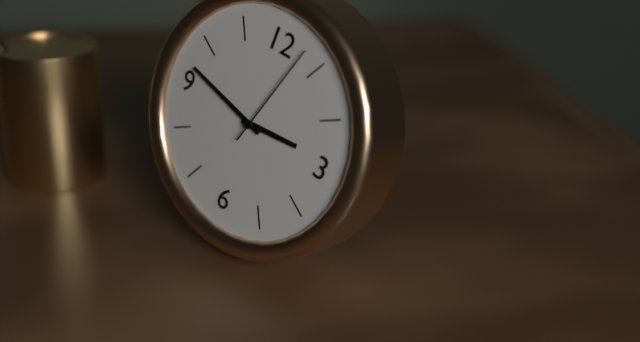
2:47:03
